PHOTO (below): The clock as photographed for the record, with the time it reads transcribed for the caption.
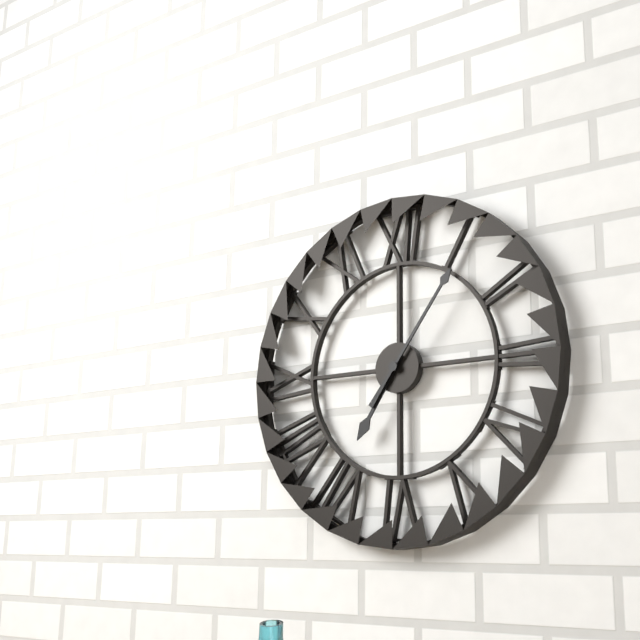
7:06
